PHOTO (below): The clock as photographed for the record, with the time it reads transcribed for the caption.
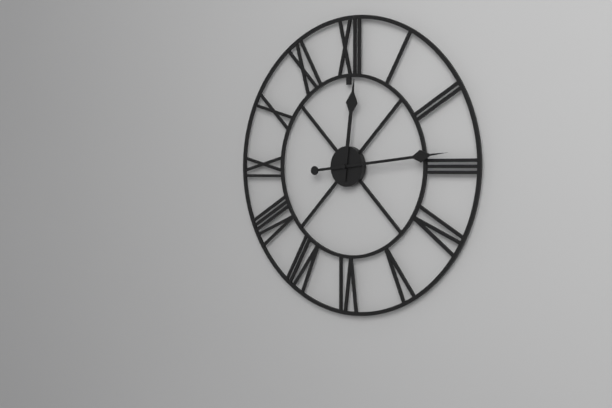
12:14
